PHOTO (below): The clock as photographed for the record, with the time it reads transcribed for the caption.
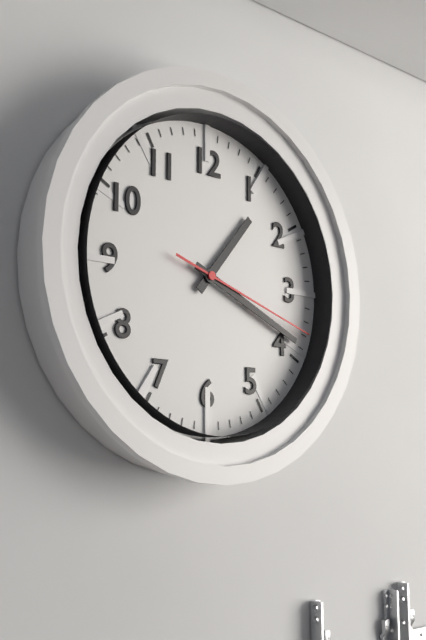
1:19:18
